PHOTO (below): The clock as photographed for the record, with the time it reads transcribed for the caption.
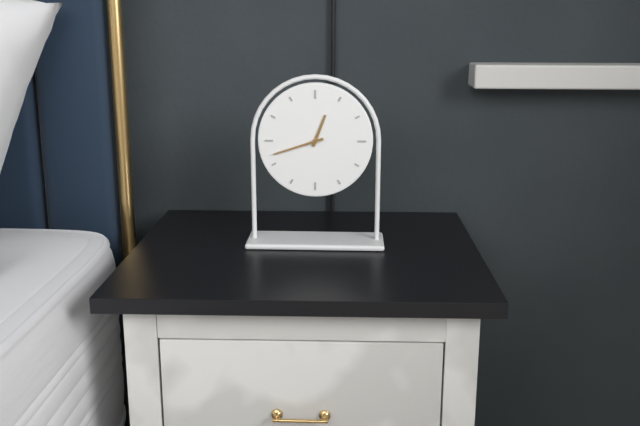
12:42
